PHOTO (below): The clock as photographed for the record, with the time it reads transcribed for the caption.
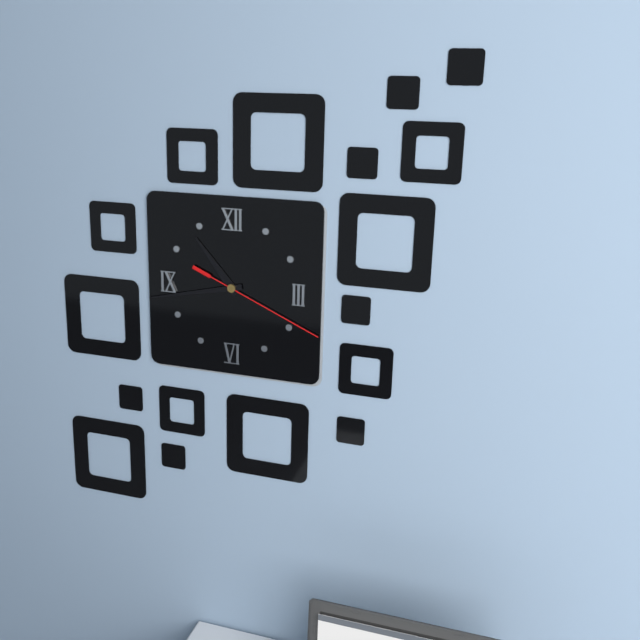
10:43:19
